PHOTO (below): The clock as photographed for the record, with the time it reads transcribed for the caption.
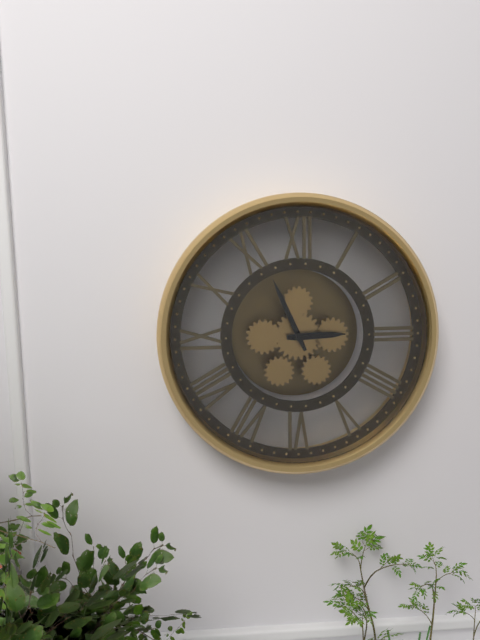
2:56
